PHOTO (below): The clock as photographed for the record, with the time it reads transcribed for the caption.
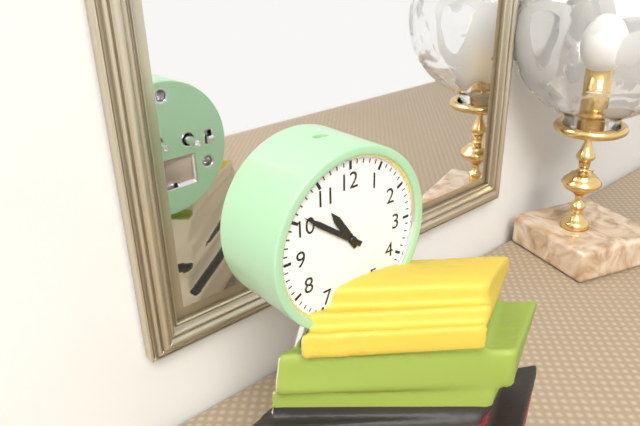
10:51
